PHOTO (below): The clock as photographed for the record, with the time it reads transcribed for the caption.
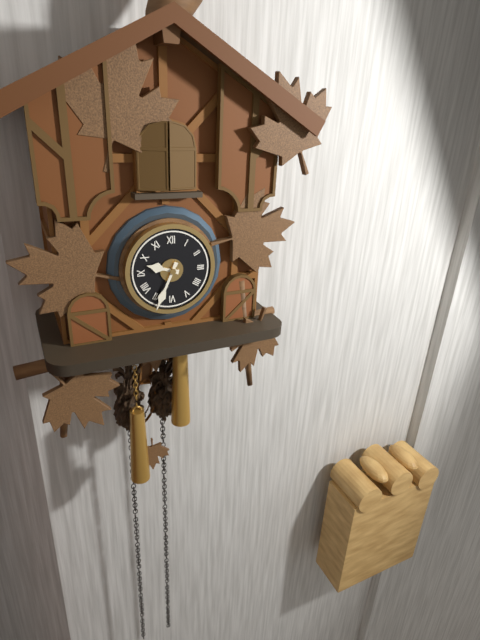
9:34
